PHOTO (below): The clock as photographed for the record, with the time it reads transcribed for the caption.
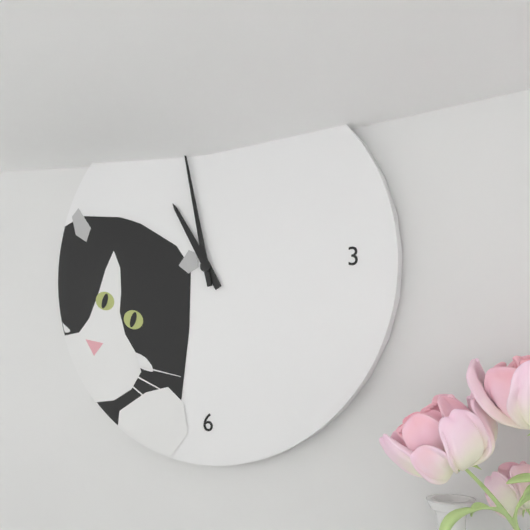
10:58
